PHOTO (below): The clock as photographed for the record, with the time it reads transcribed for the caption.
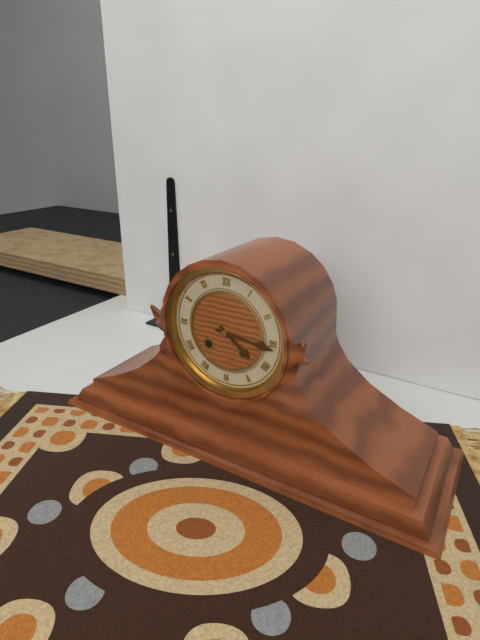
4:16
